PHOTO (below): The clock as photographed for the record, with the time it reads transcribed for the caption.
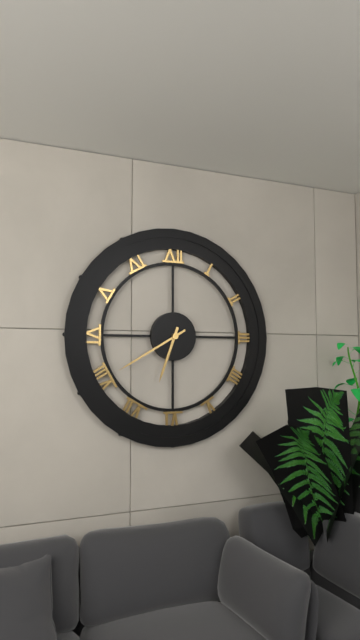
6:40
